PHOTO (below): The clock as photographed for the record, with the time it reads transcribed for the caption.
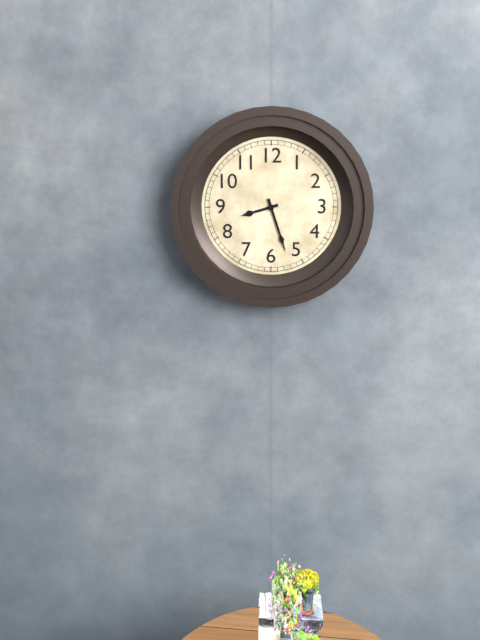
8:27
